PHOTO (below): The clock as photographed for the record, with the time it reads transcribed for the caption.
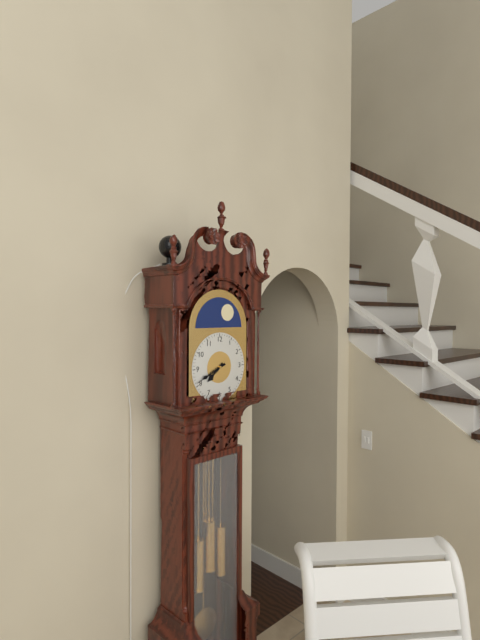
7:41
